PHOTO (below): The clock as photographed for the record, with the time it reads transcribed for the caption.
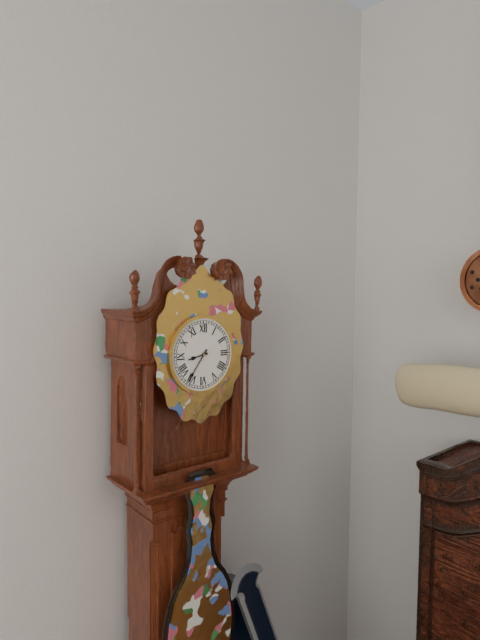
8:36
